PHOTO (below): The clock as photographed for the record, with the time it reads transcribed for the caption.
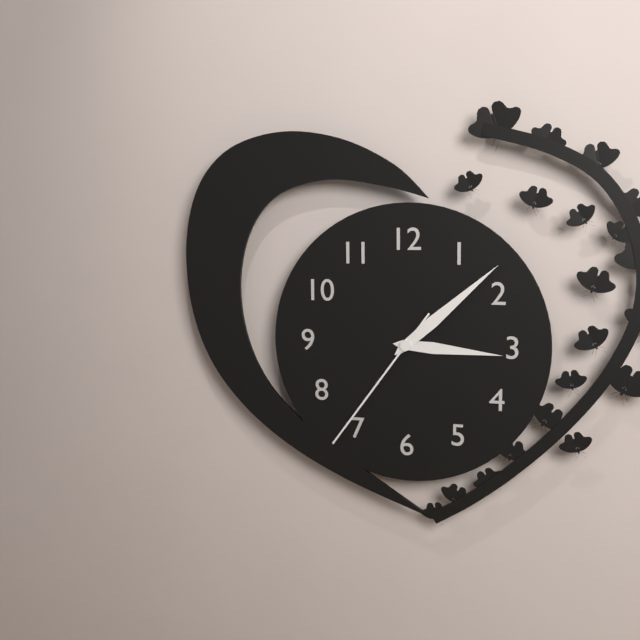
3:08:36
